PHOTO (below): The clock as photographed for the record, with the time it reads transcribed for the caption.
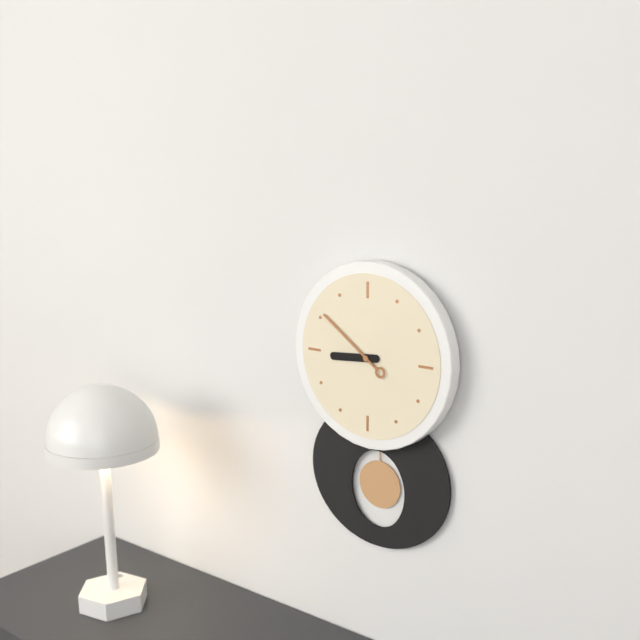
8:51
